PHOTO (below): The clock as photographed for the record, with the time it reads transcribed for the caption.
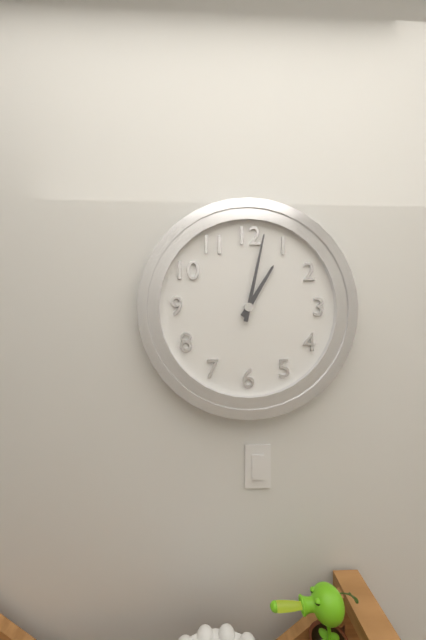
1:02
